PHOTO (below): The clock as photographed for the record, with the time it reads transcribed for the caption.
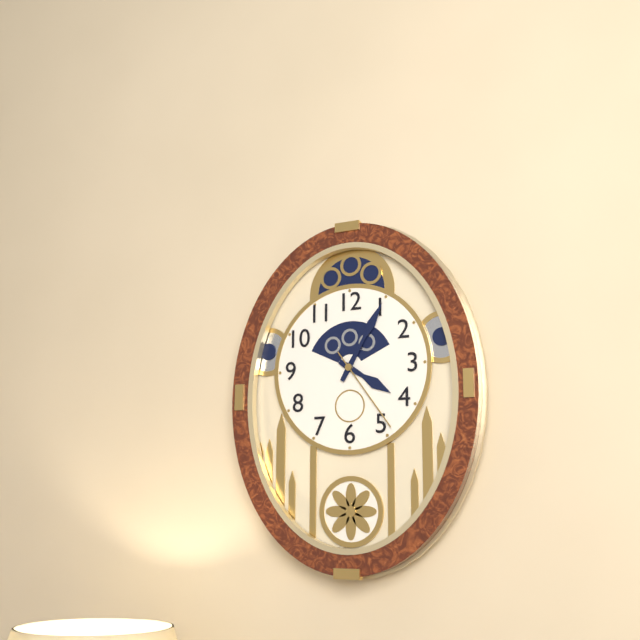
4:05:24
